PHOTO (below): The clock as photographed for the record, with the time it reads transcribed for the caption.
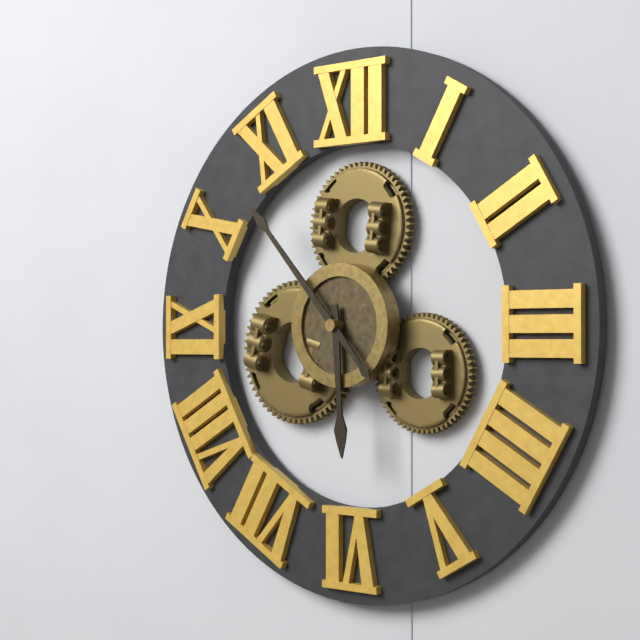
5:53
